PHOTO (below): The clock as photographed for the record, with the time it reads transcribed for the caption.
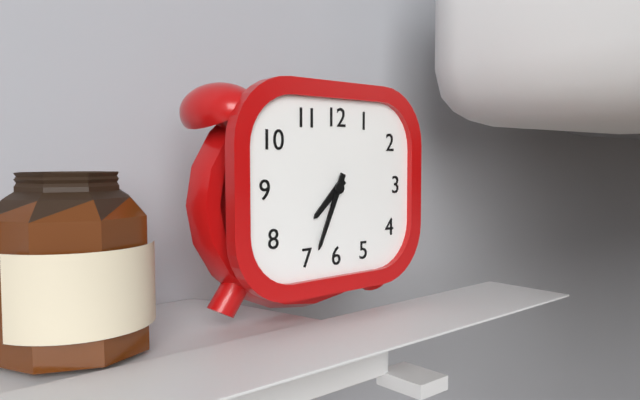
7:34
